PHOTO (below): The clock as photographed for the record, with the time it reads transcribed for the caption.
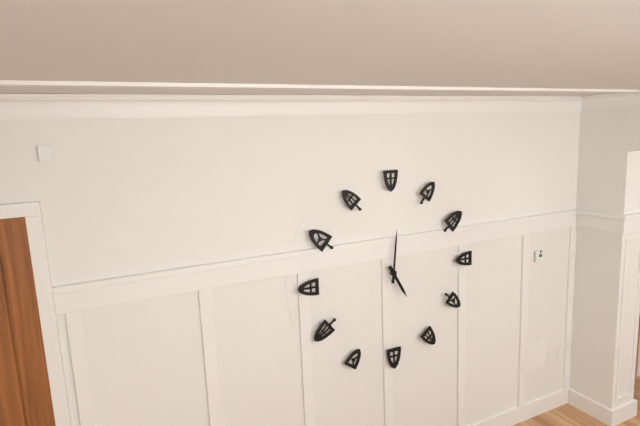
5:01
